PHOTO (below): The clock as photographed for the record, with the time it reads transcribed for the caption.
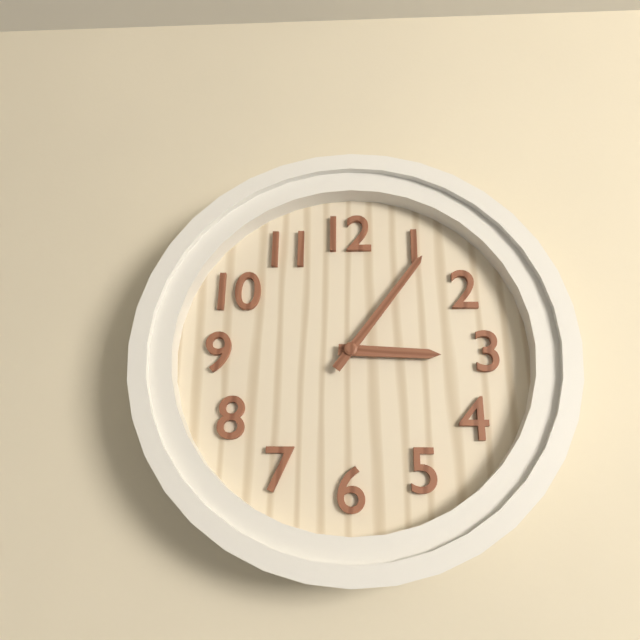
3:06
